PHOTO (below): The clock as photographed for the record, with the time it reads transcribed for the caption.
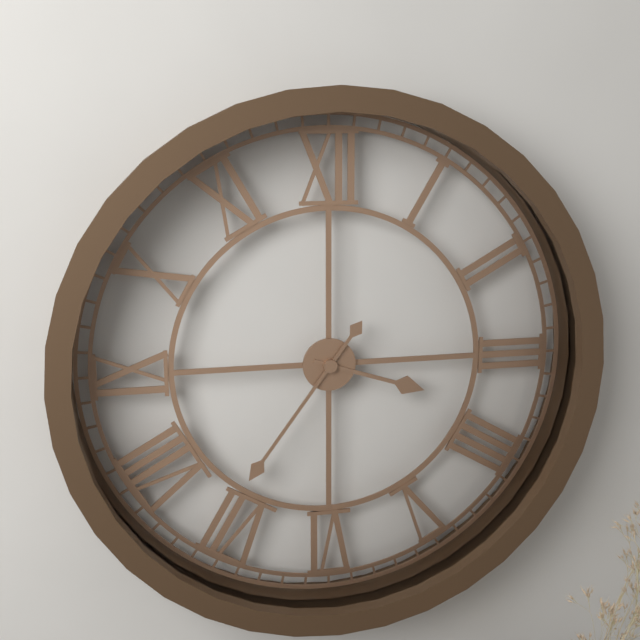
3:36
